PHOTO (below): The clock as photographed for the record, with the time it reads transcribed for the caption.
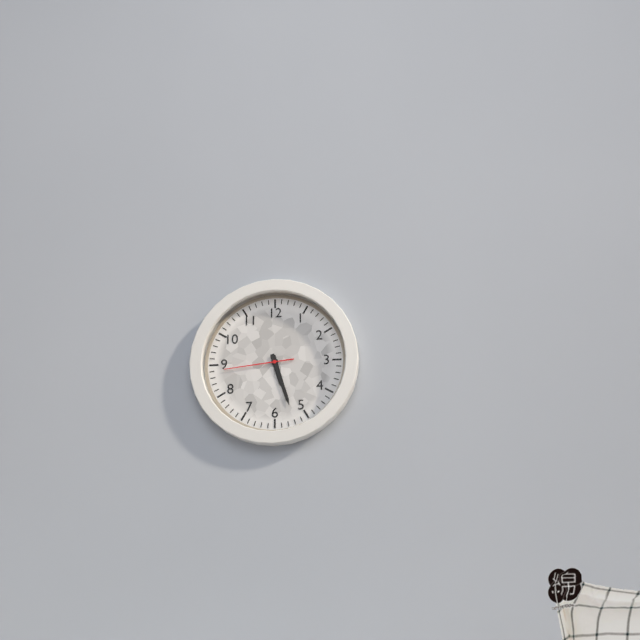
5:27:44
